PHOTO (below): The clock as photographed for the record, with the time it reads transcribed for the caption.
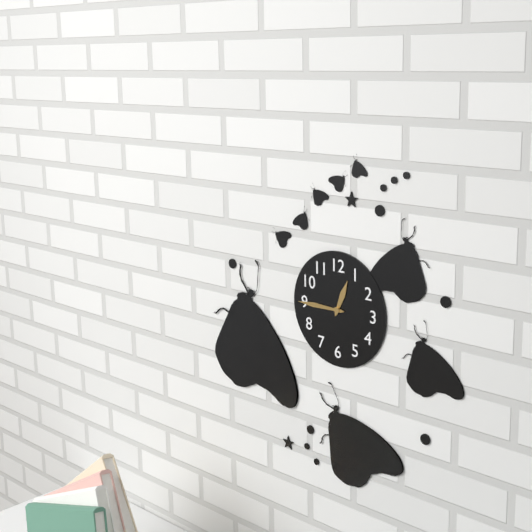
12:45
